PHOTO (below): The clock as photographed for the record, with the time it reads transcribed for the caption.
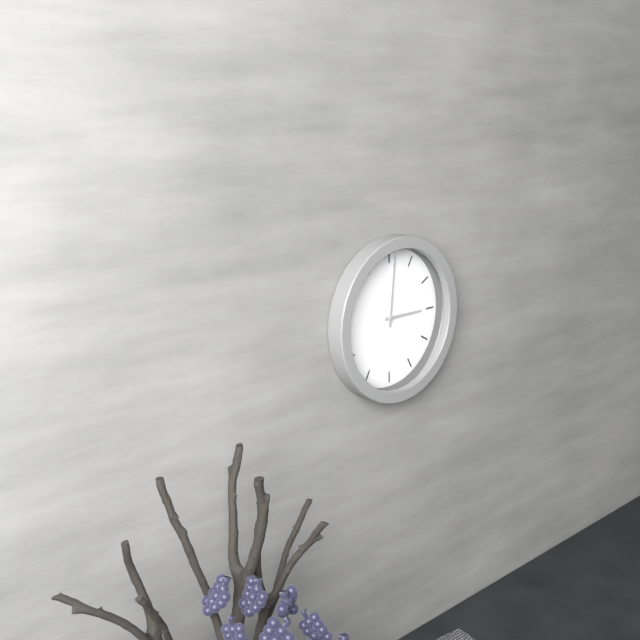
3:01
